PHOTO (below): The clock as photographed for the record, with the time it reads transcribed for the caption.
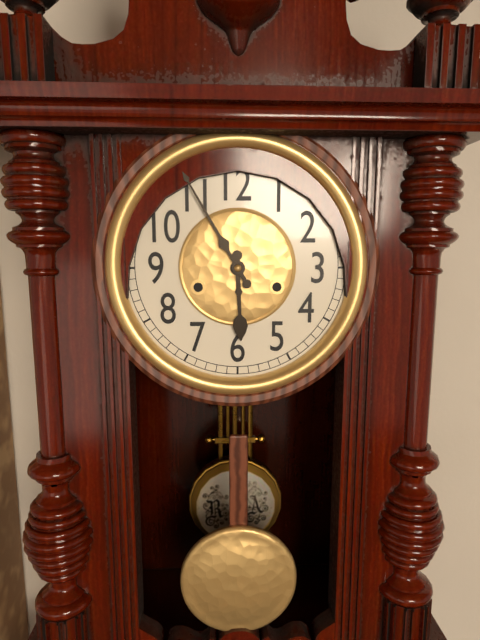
5:55
